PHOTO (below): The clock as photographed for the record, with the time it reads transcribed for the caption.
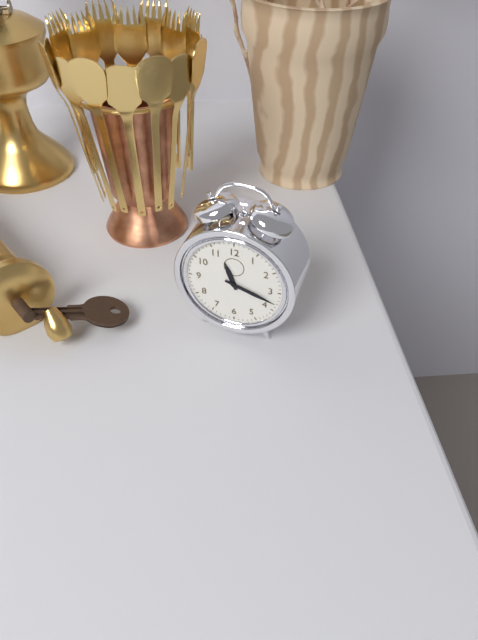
11:18
